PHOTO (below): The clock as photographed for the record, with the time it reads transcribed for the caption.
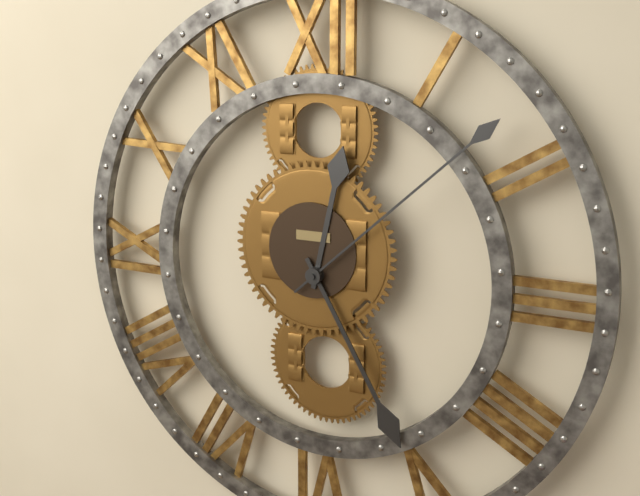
12:25:08
